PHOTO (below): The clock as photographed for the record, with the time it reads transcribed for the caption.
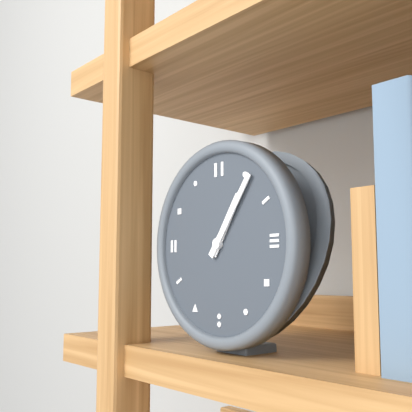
1:06
